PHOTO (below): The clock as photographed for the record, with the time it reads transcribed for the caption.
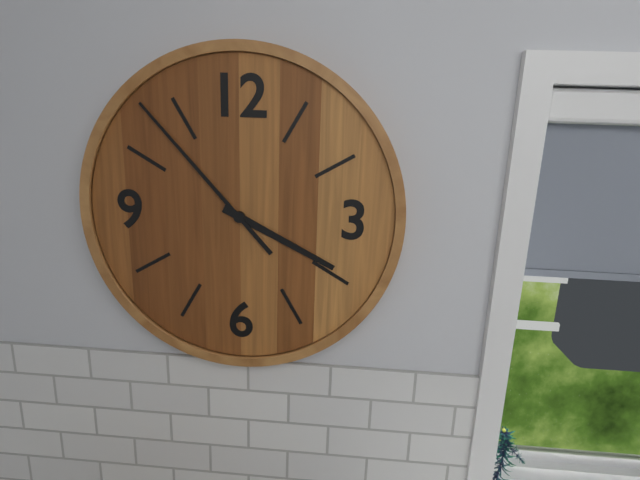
3:53
